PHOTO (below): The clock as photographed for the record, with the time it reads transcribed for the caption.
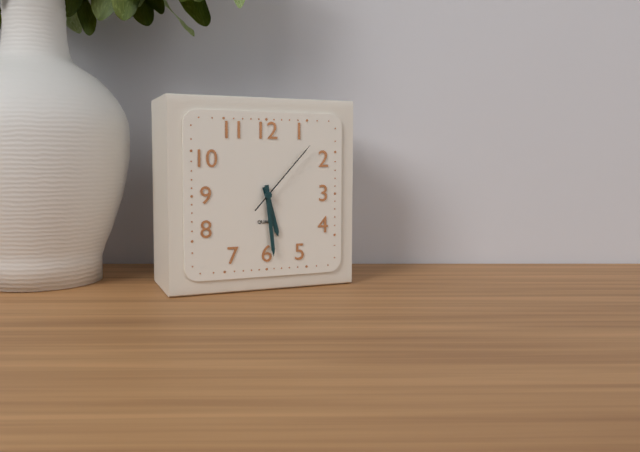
5:29:07
